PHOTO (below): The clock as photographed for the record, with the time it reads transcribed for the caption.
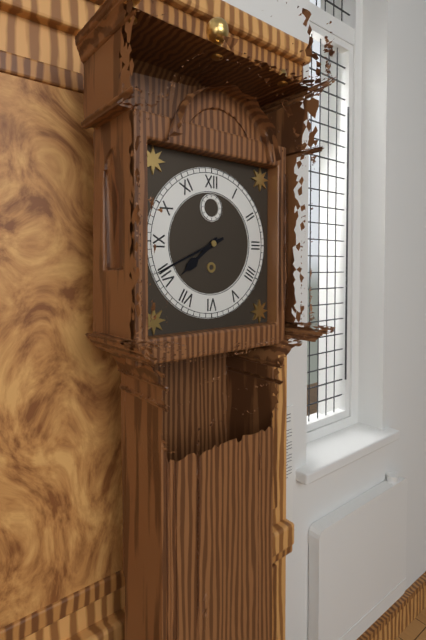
7:41
